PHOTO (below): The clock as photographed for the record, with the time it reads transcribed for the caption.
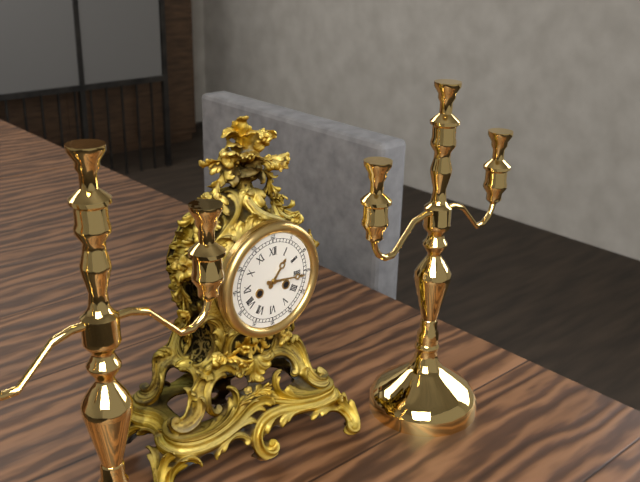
1:16
